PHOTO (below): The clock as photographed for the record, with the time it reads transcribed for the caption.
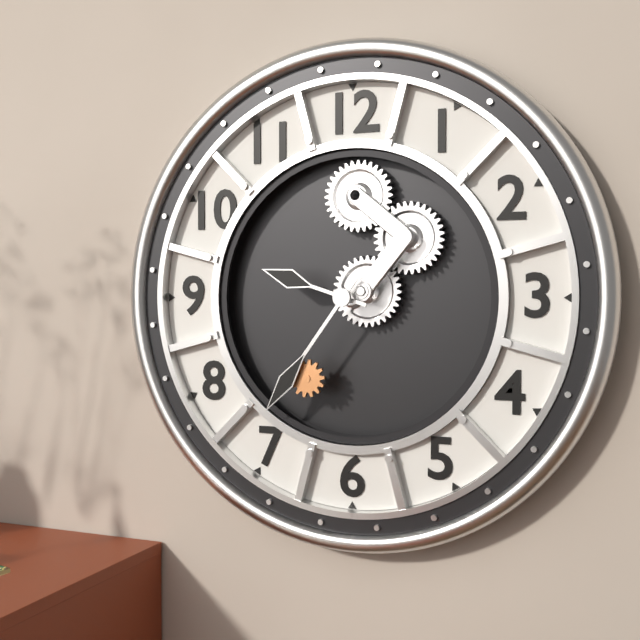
9:36
